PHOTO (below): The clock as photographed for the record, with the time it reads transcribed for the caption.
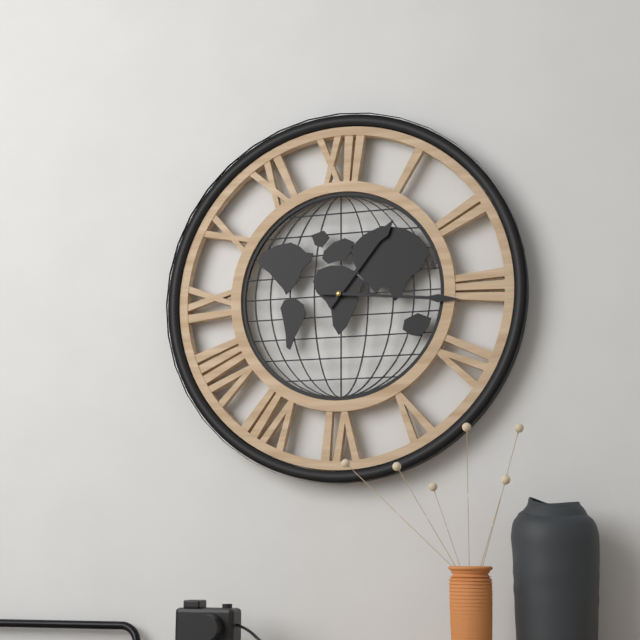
1:16
